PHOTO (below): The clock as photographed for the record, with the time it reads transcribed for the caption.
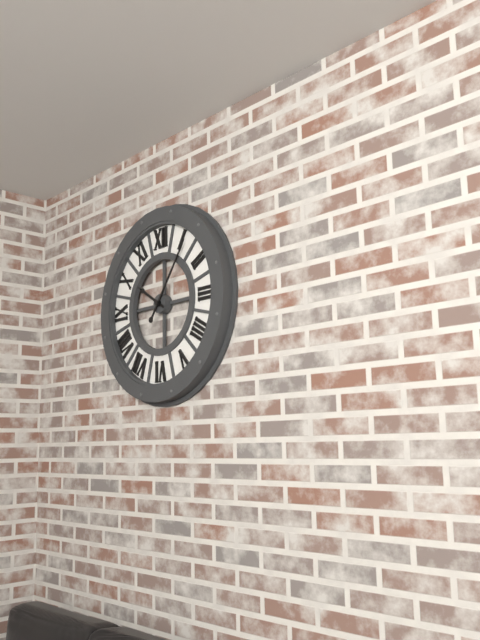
10:06
